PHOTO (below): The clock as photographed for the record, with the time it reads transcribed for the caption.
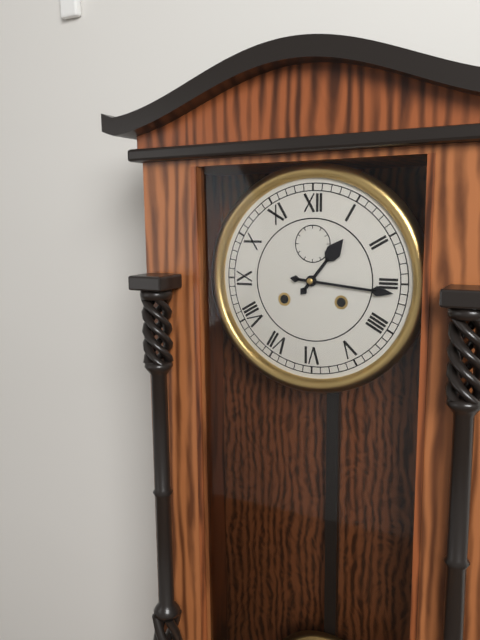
1:16
